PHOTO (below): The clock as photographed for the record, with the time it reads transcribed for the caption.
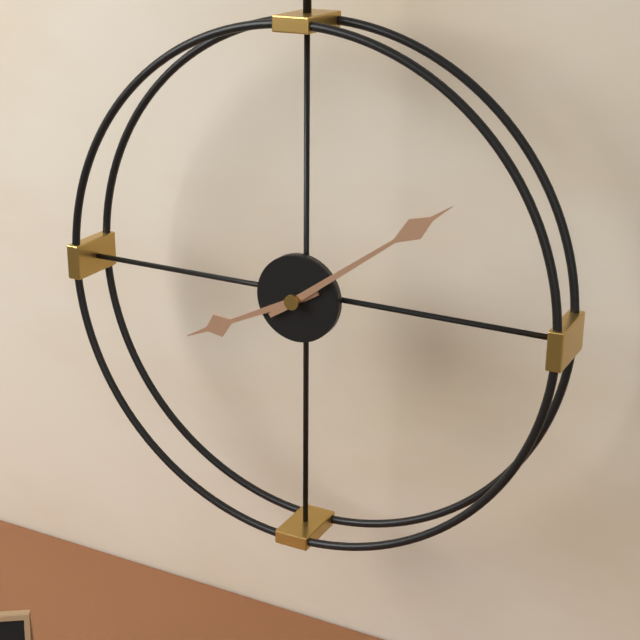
8:09
